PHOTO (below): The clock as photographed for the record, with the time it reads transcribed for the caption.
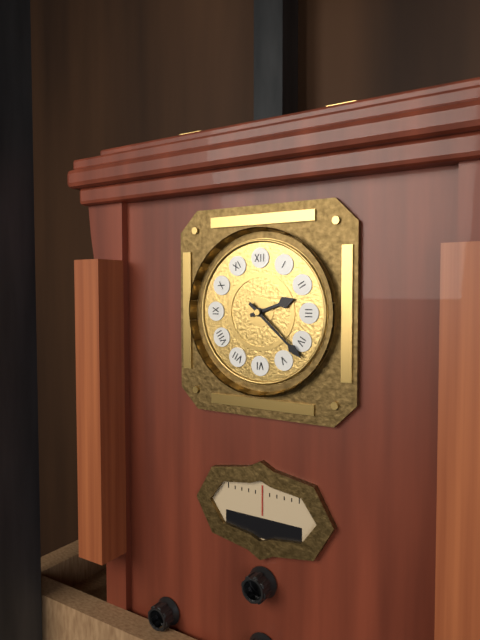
2:22
